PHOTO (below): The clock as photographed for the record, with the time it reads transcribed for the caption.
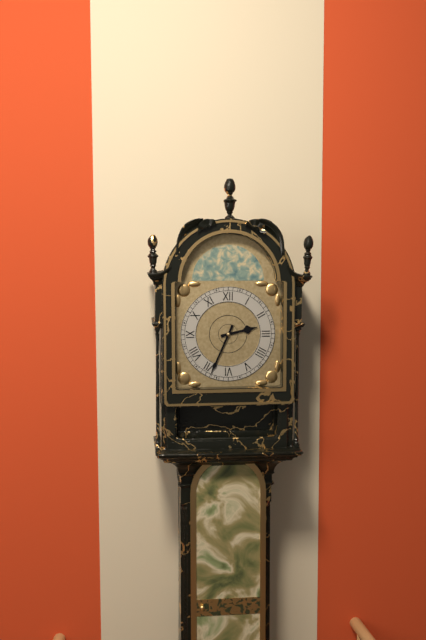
2:34
